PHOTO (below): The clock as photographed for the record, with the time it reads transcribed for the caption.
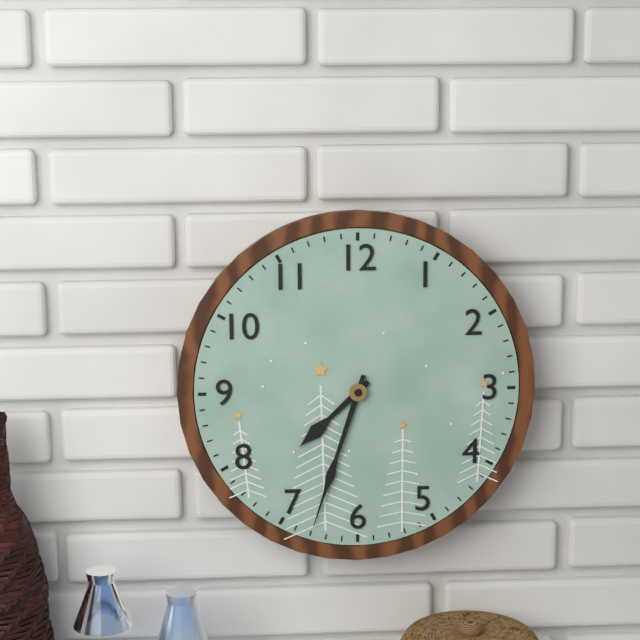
7:33
